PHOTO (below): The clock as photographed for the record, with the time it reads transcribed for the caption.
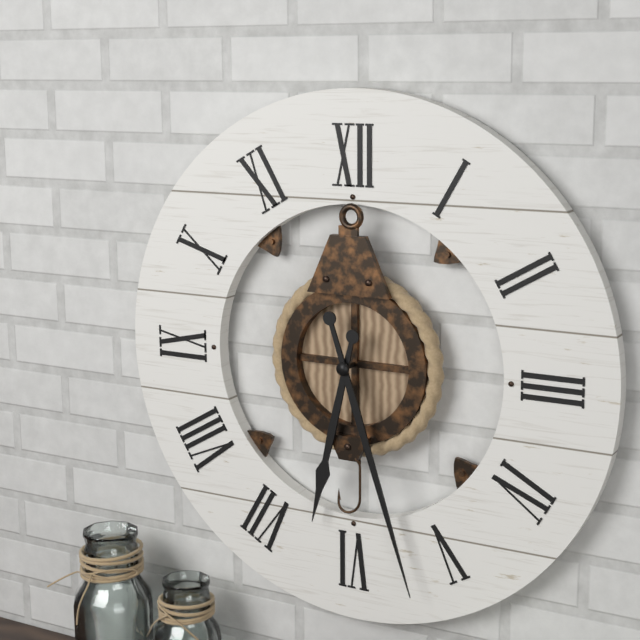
6:27
